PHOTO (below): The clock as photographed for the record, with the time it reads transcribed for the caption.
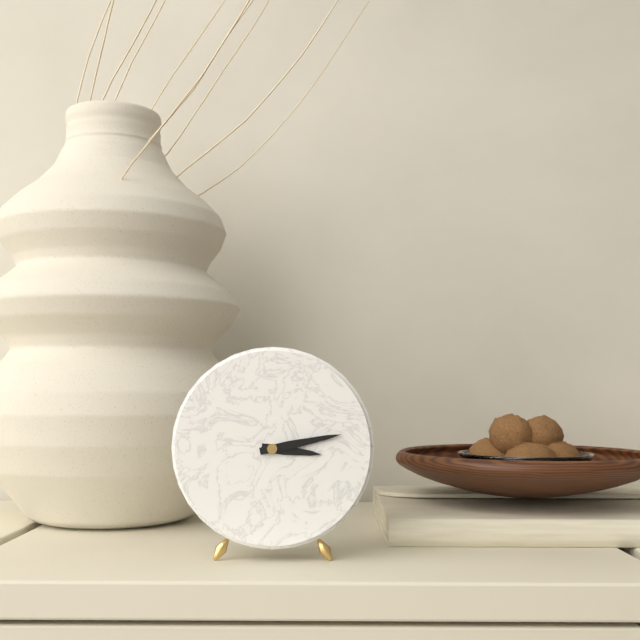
3:13
